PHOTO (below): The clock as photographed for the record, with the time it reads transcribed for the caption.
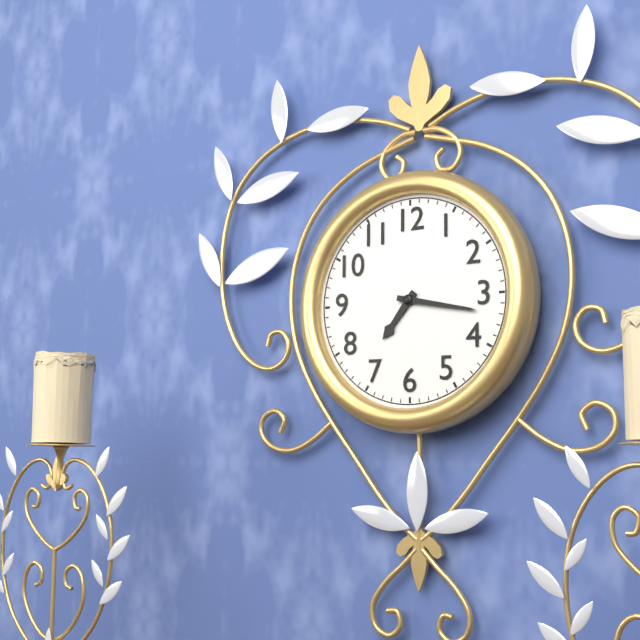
7:17
